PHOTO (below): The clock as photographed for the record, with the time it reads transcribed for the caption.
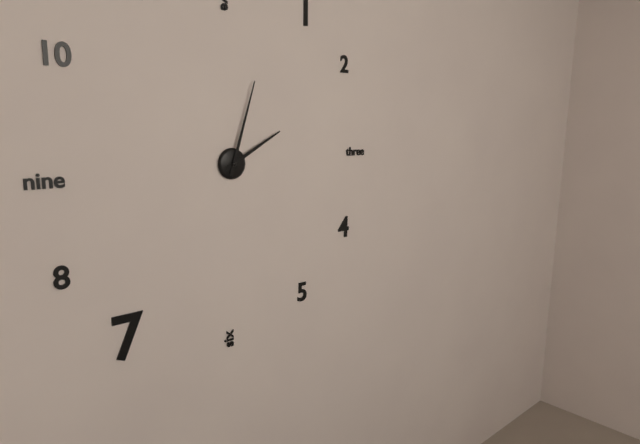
2:03
